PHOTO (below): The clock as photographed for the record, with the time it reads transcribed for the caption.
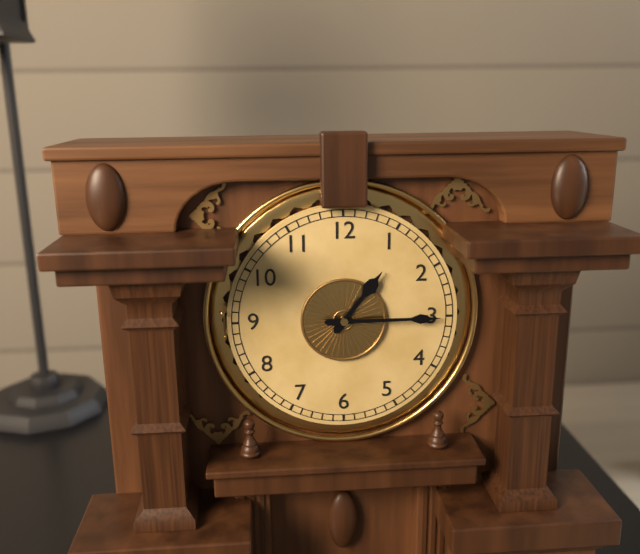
1:15
